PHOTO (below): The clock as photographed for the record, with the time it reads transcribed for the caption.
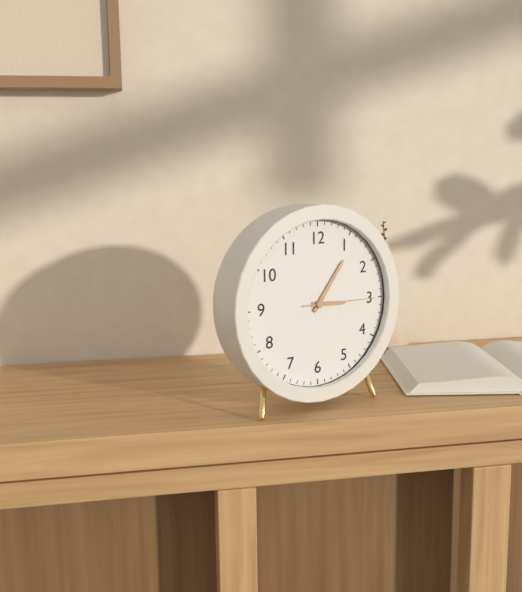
3:06:15
